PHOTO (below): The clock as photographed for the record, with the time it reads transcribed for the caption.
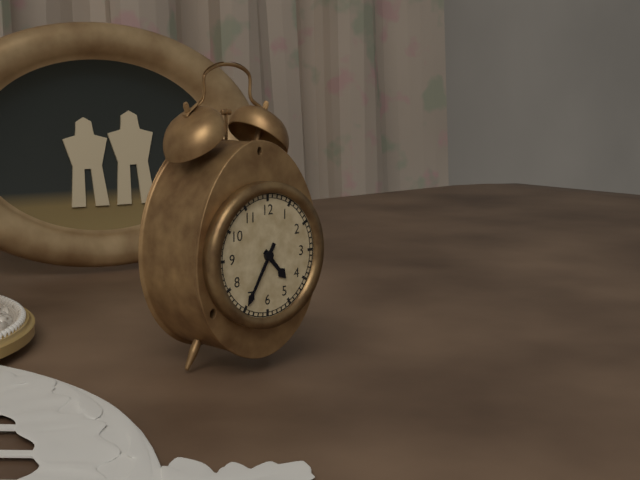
4:35
